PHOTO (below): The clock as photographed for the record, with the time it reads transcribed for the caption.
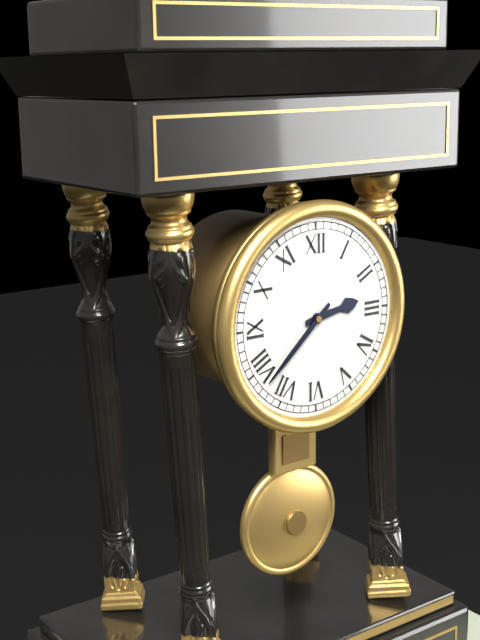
2:38
